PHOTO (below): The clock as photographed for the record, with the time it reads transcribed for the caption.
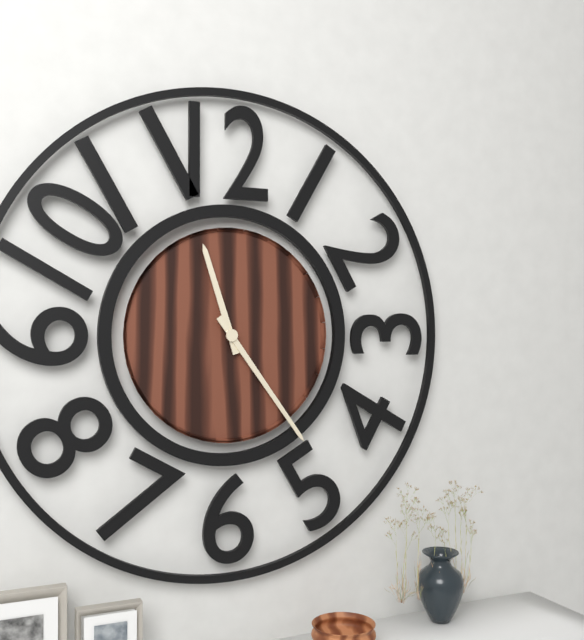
11:24
